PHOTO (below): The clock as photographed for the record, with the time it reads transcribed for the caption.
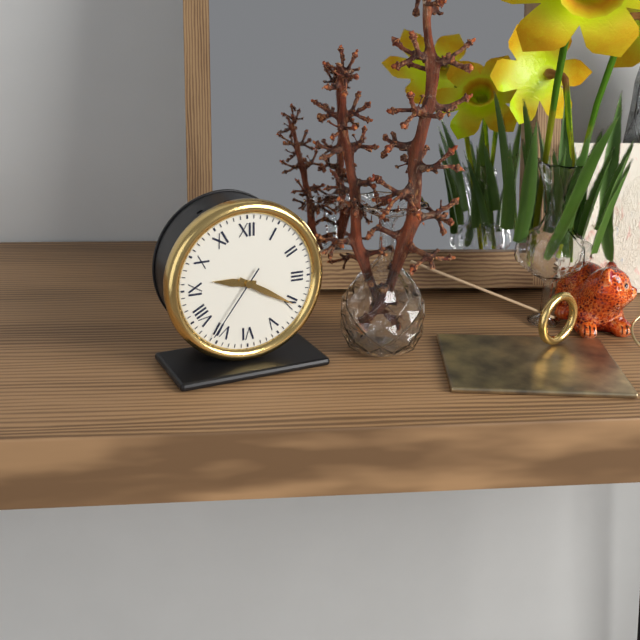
9:20:36
